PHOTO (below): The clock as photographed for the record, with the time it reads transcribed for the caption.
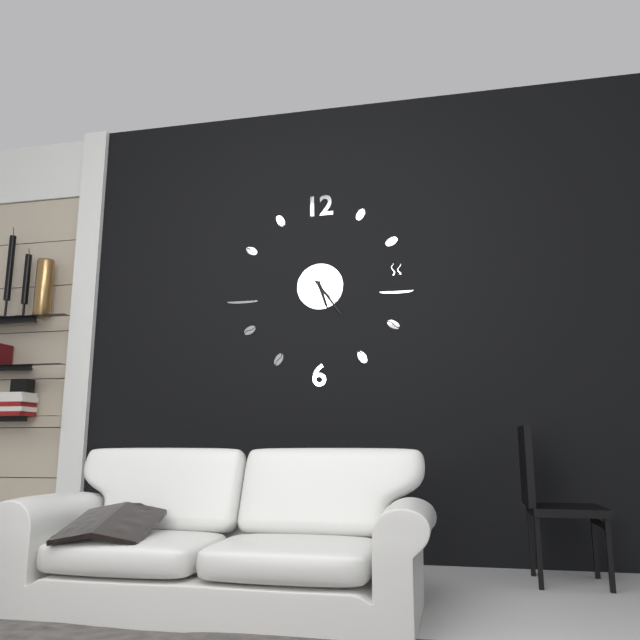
5:24
